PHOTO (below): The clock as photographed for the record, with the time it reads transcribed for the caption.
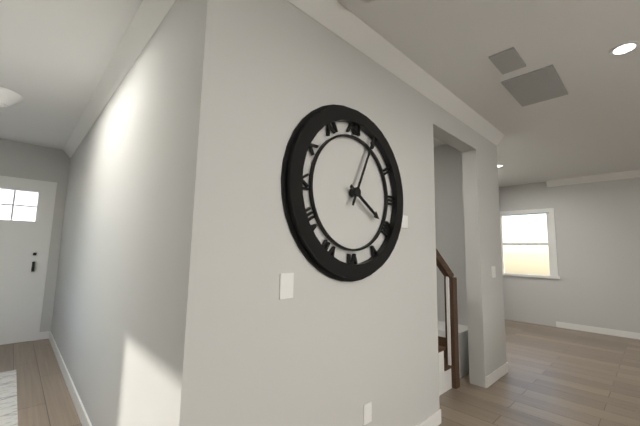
4:04
